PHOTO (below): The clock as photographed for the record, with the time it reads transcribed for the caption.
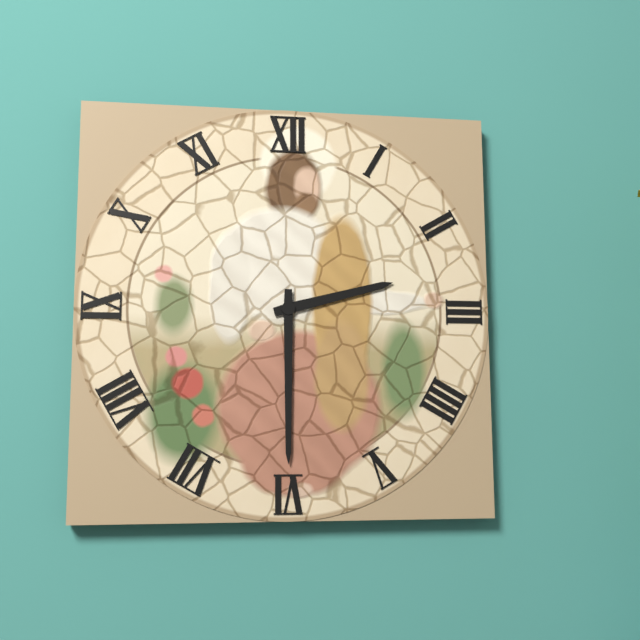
2:30
